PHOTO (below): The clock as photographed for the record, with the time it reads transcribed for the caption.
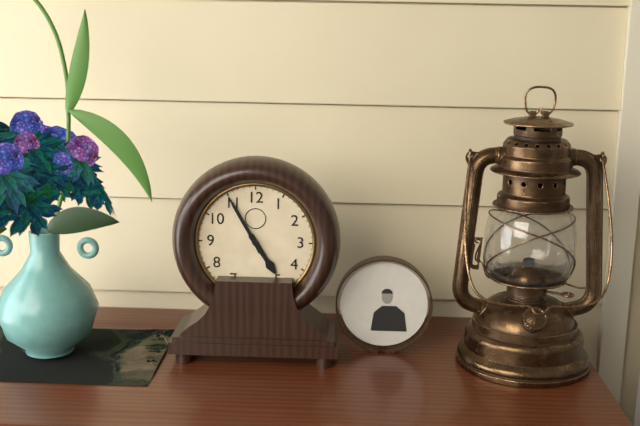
4:55
